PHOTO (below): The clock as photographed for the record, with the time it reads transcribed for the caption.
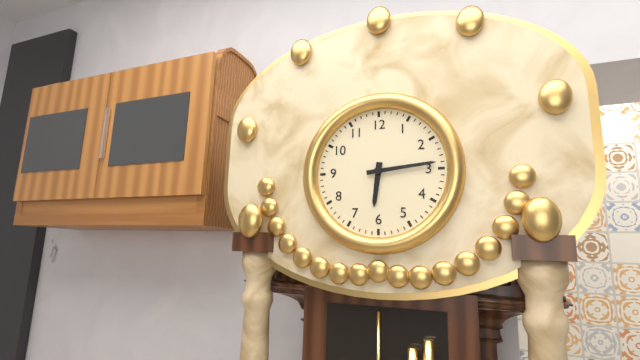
6:14
